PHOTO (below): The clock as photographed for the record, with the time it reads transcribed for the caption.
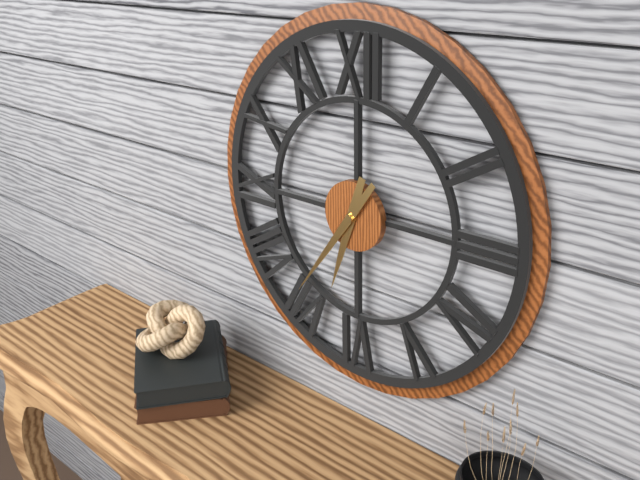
6:36
